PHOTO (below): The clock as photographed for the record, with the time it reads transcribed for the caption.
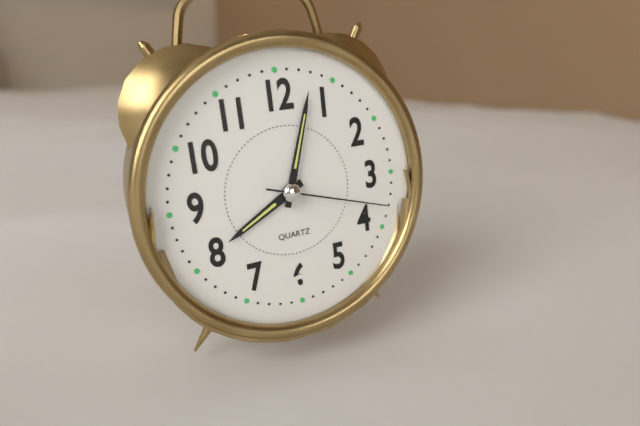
8:03:18
